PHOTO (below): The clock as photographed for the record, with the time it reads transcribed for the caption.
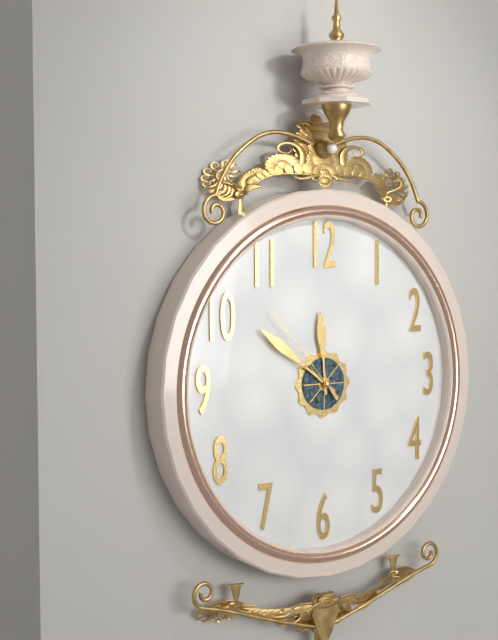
11:51:53
